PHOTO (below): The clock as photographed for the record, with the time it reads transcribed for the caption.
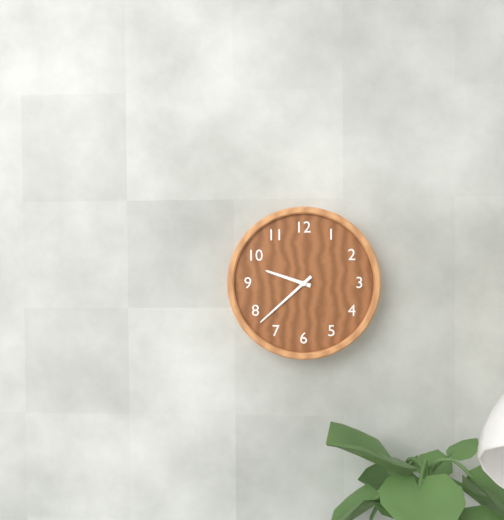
9:38
